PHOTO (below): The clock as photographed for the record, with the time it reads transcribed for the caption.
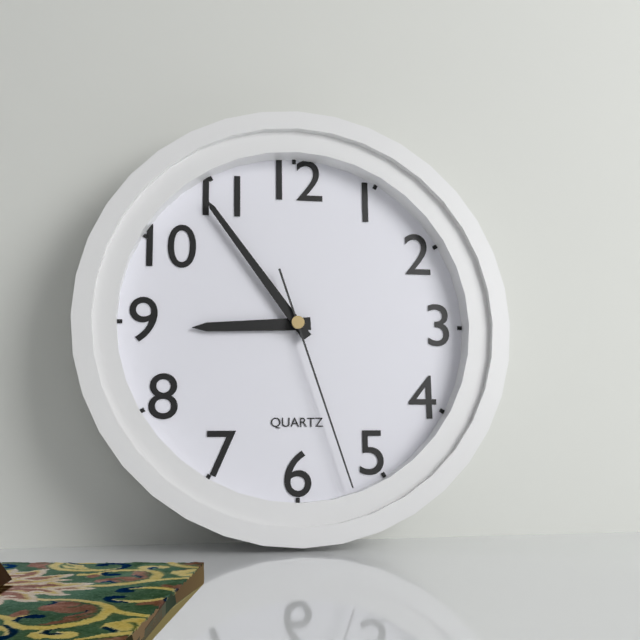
8:54:27
